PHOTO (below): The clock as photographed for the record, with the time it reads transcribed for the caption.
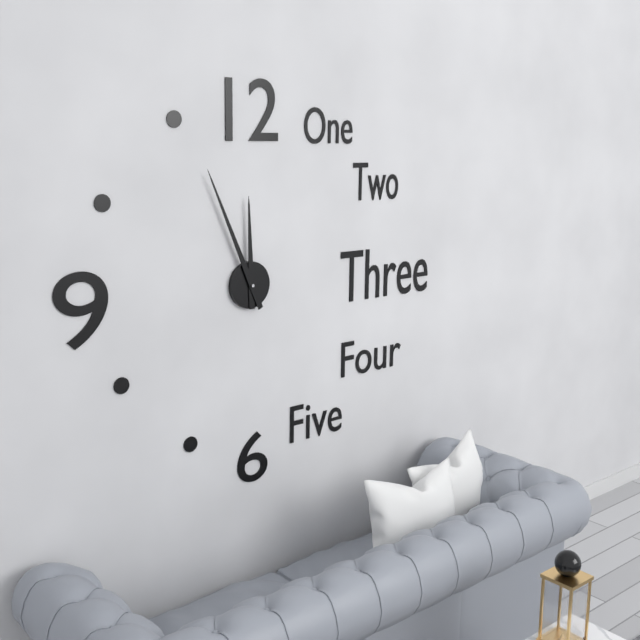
11:56
